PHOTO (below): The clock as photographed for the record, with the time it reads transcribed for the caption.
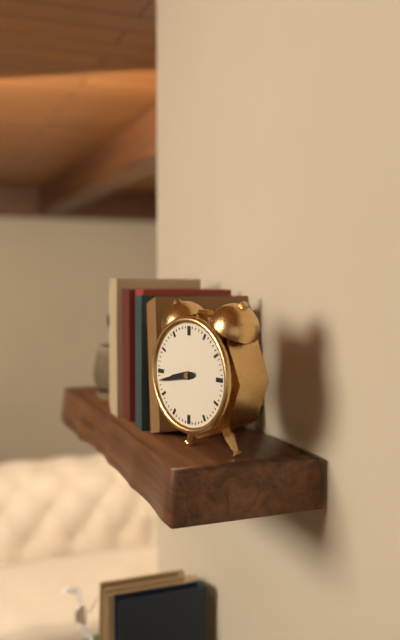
8:43
